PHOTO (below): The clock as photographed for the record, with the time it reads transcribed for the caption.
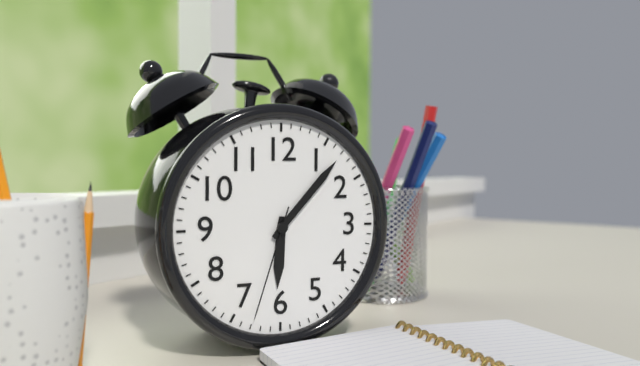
6:07:33
